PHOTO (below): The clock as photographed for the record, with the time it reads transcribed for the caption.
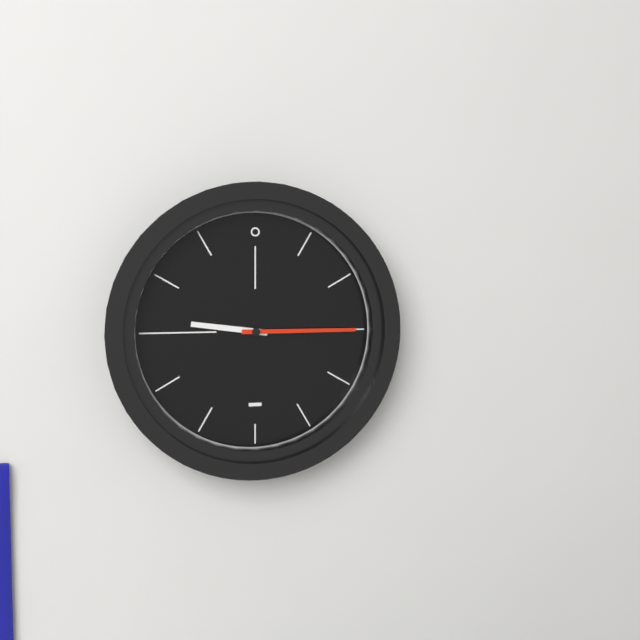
9:15
